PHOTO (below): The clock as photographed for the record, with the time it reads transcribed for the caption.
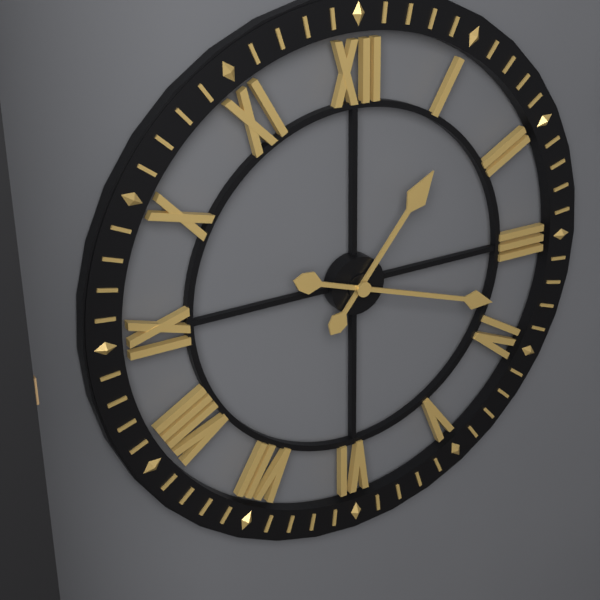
1:18
